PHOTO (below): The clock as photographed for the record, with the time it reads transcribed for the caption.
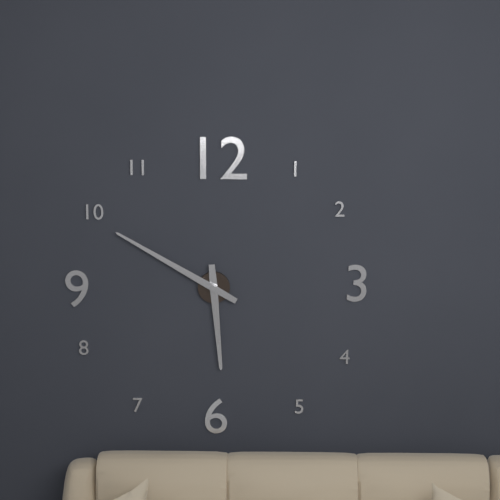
5:50
